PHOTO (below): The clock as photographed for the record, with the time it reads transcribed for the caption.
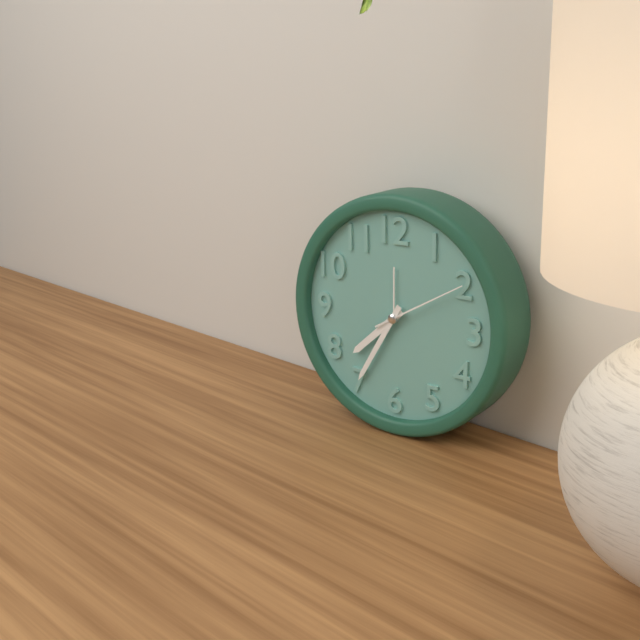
7:35:10
